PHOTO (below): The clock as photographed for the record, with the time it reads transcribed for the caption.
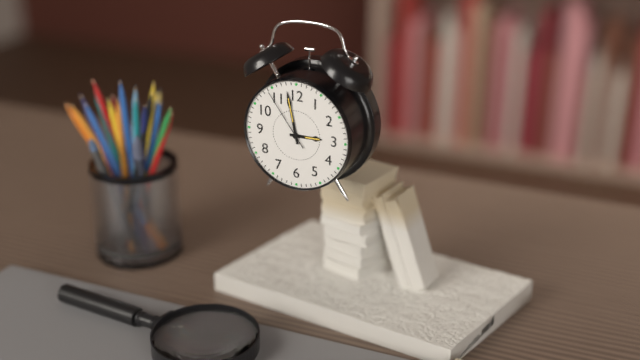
2:58:54
